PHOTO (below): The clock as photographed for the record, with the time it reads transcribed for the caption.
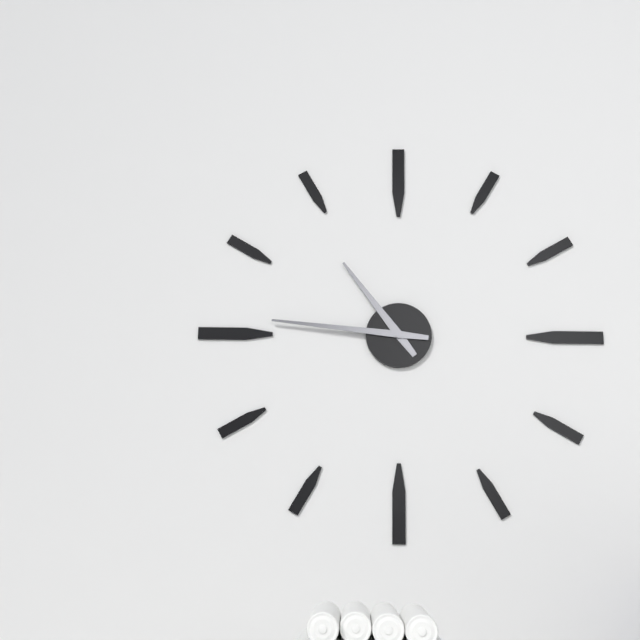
10:46
